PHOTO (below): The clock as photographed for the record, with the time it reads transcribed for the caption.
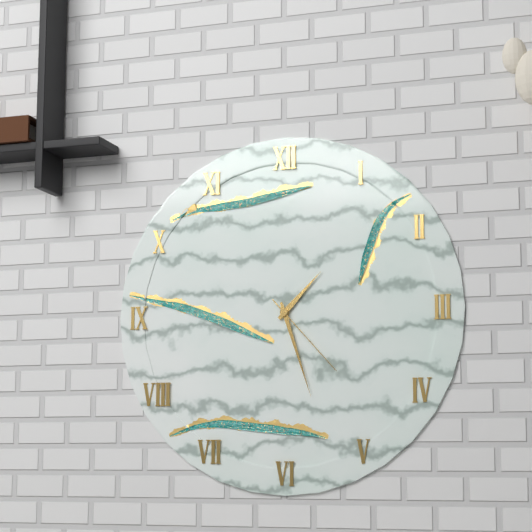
1:27:23
